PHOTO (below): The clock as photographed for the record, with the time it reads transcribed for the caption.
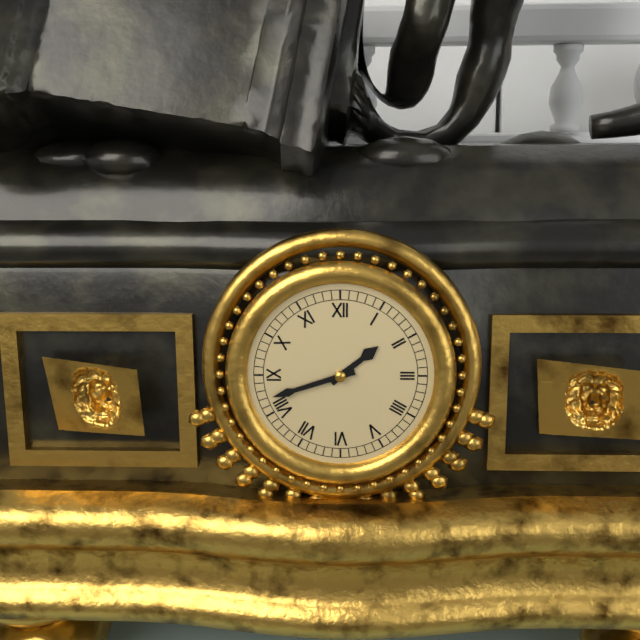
1:42
